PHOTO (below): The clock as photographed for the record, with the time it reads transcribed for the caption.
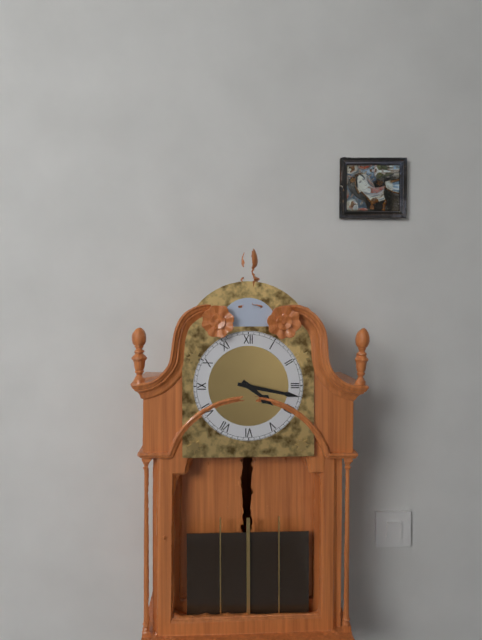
4:17
